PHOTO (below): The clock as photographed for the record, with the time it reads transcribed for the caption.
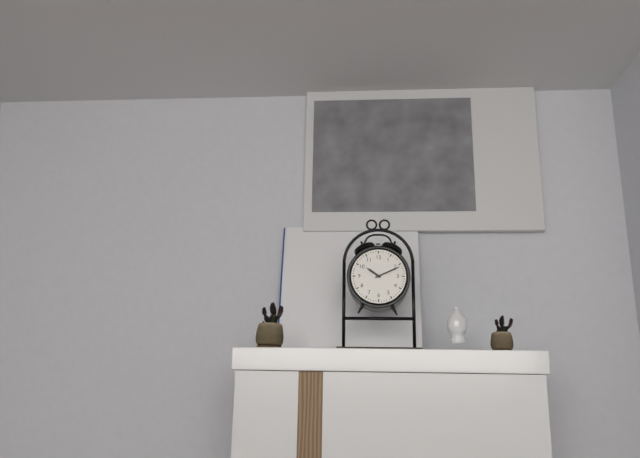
10:11
